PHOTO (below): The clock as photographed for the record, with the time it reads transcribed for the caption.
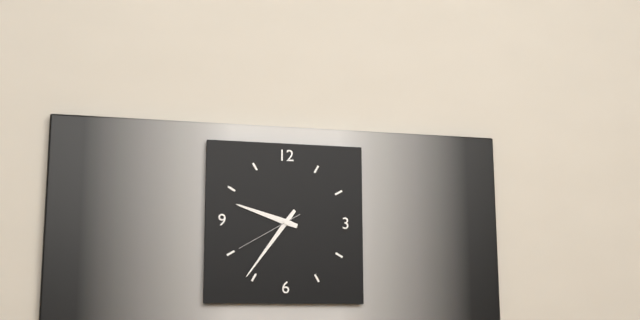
9:36:40
